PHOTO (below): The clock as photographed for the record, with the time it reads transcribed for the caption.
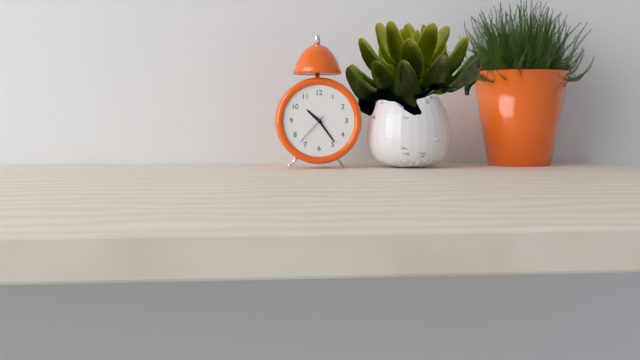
10:24
